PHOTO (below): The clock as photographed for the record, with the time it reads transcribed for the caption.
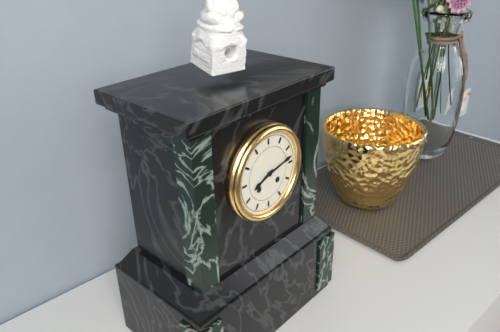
8:13
